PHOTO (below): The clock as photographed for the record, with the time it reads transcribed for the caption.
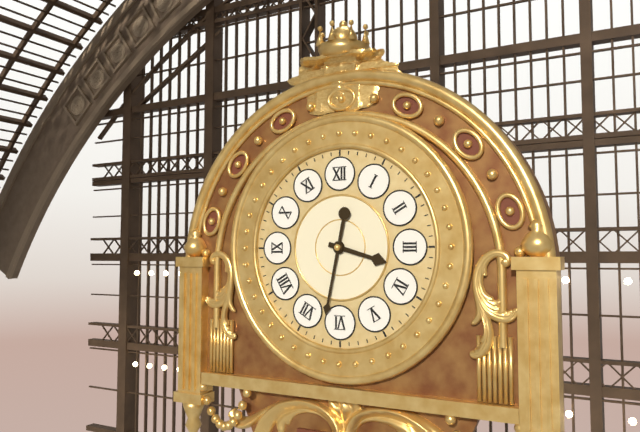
3:32
